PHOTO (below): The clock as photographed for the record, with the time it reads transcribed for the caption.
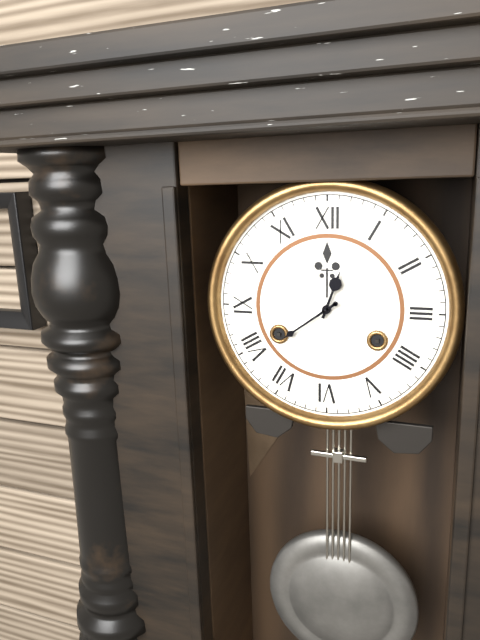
12:39
